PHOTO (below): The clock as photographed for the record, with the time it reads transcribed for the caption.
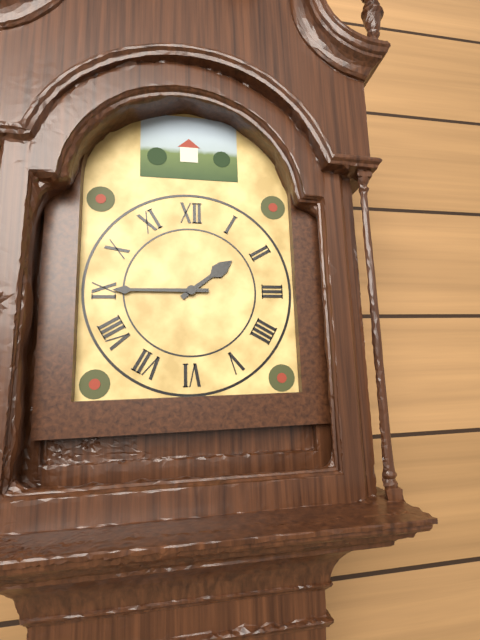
1:45
